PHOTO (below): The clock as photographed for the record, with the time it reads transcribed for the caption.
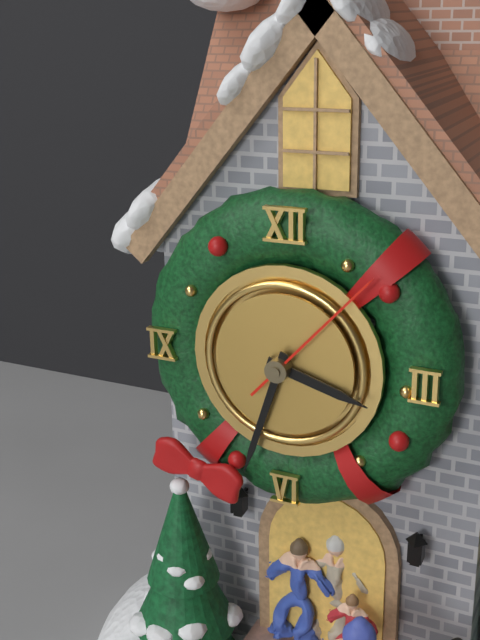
3:33:07
